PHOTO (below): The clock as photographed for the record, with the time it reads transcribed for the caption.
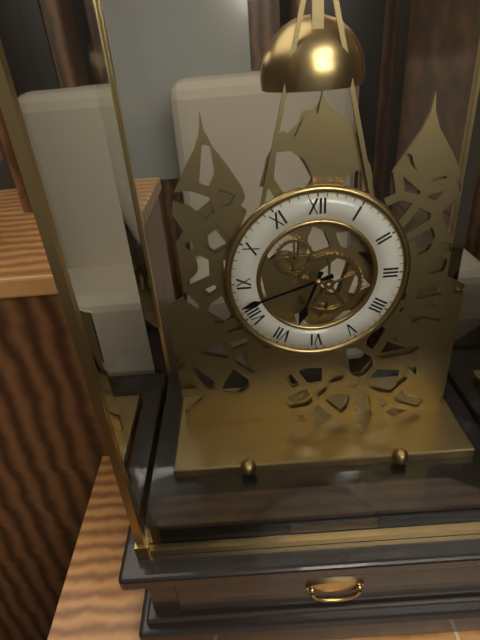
6:42
